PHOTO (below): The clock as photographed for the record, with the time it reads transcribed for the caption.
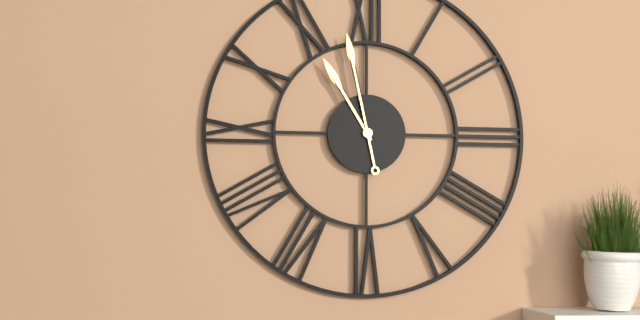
10:58
